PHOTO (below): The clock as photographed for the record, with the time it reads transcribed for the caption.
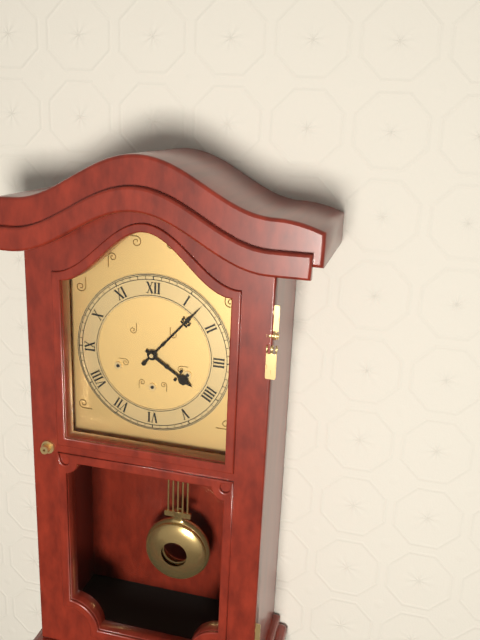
4:07
